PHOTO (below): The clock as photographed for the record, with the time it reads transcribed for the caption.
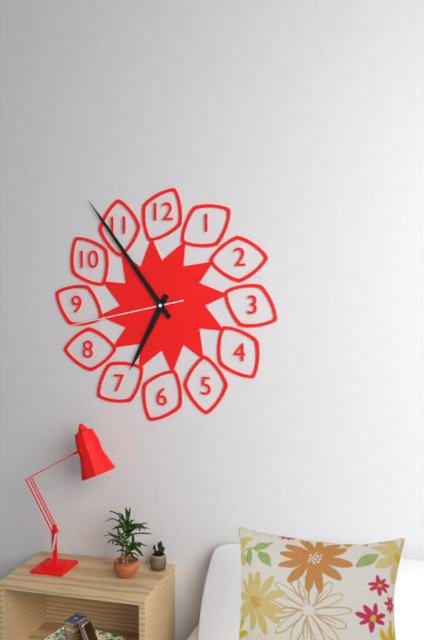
6:54:43
